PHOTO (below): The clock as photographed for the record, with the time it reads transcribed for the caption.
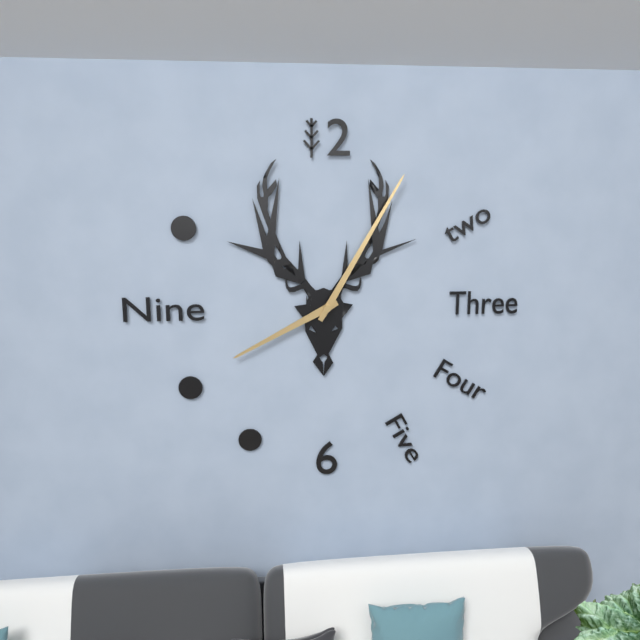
8:05
